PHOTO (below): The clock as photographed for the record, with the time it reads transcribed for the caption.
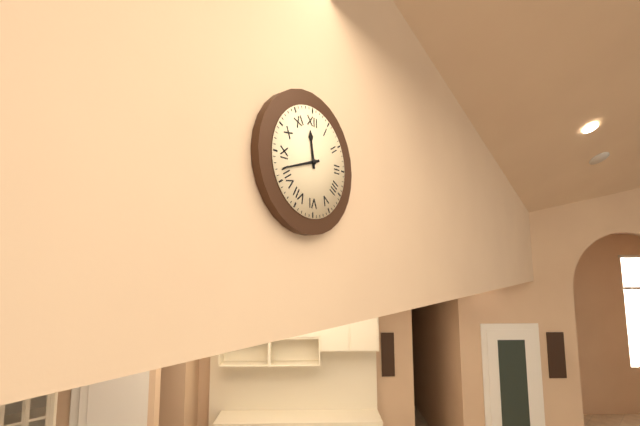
11:42
